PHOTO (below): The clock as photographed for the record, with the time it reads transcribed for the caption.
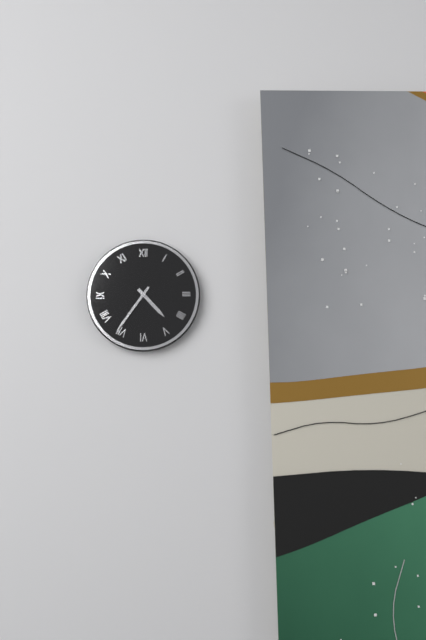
4:36
